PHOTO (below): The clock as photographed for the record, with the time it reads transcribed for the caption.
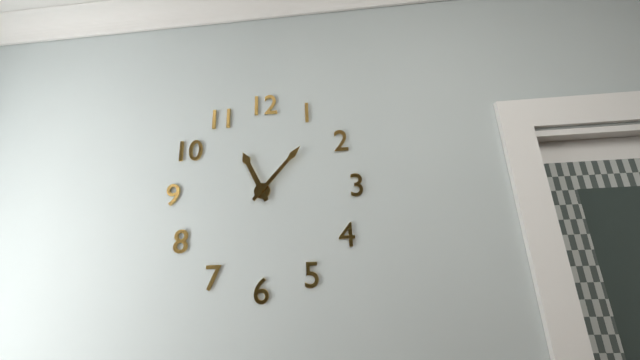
11:07
